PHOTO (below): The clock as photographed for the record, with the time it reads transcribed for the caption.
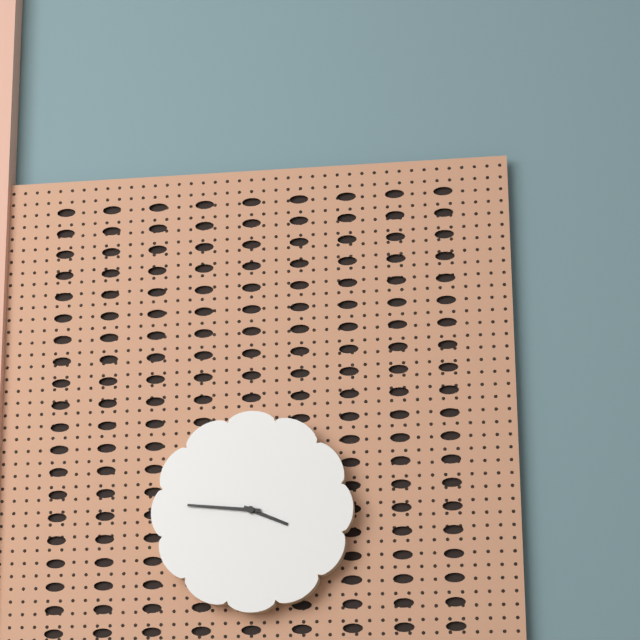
3:46
